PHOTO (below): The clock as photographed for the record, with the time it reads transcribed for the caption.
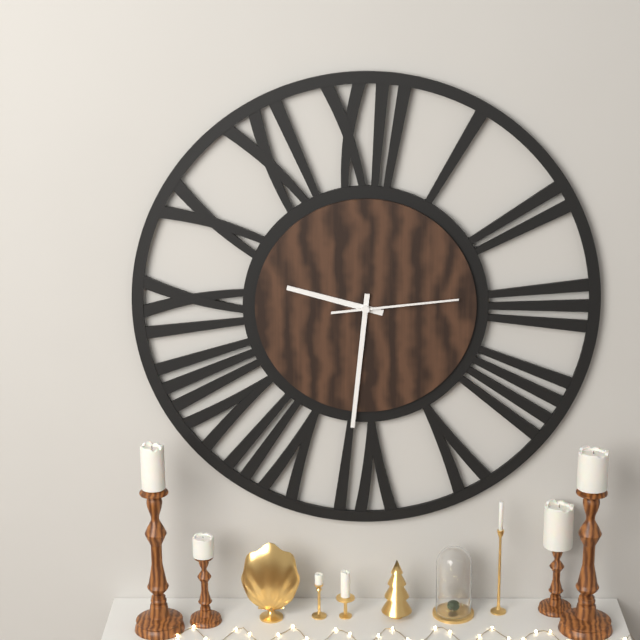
9:31:14
